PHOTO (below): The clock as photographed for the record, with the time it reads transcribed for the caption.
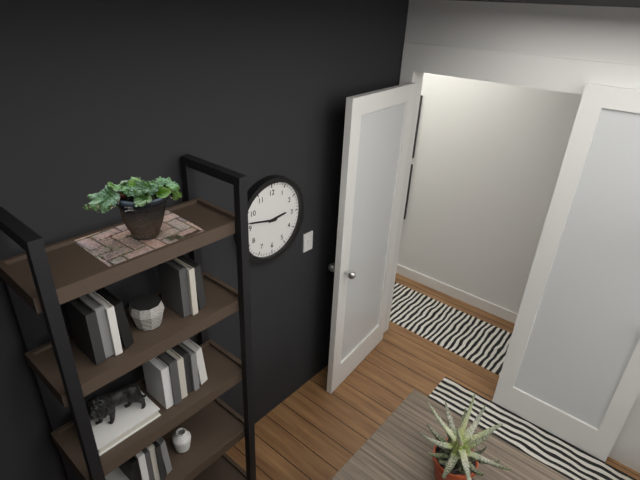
2:47
